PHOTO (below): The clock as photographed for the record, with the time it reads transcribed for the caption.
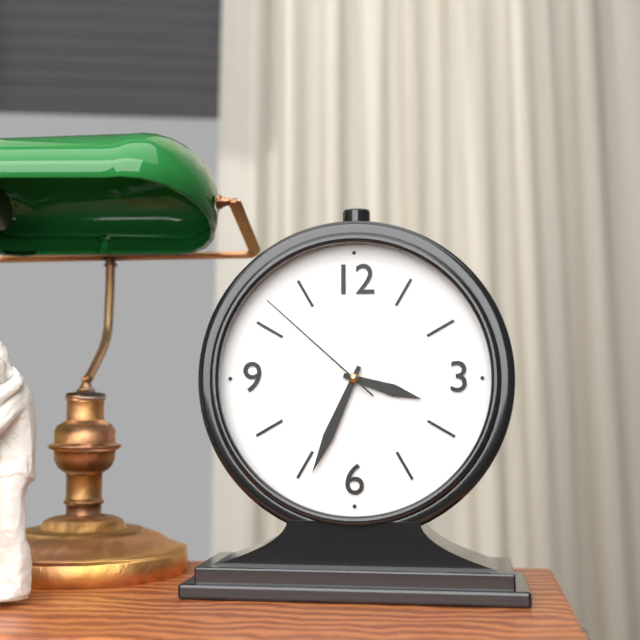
3:34:52
